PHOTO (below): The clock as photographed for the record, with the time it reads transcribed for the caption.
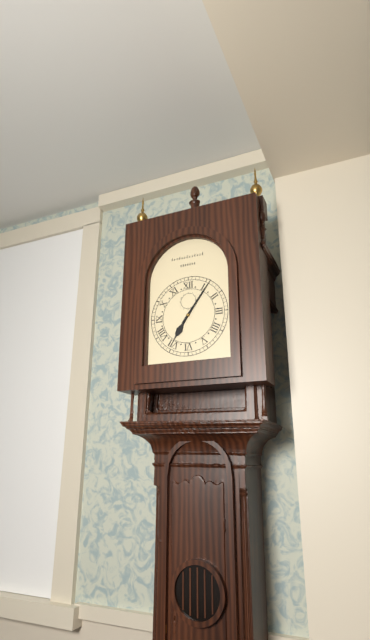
7:06
